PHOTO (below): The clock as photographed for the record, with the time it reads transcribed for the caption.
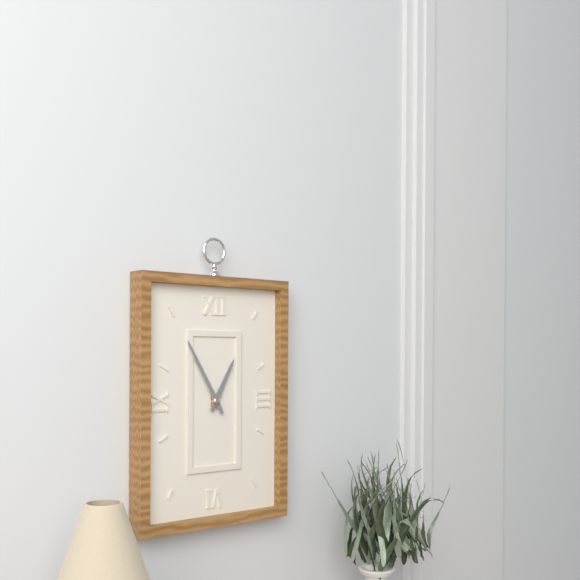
12:55
